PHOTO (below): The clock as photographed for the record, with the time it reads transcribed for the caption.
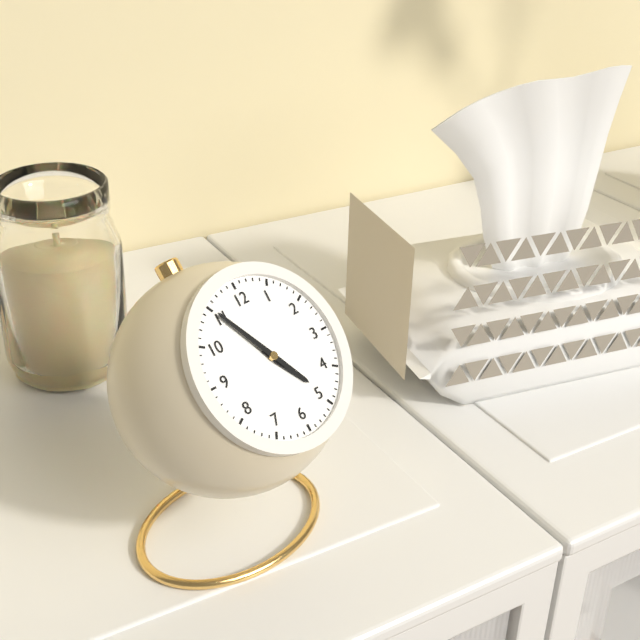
4:55
